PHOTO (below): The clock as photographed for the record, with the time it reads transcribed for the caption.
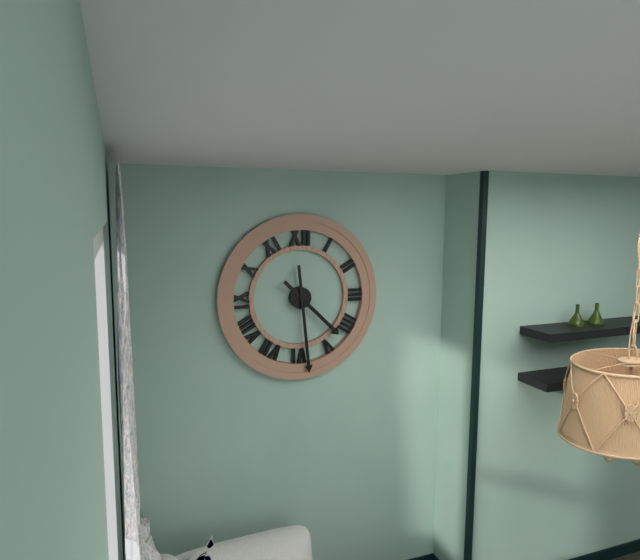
4:29
